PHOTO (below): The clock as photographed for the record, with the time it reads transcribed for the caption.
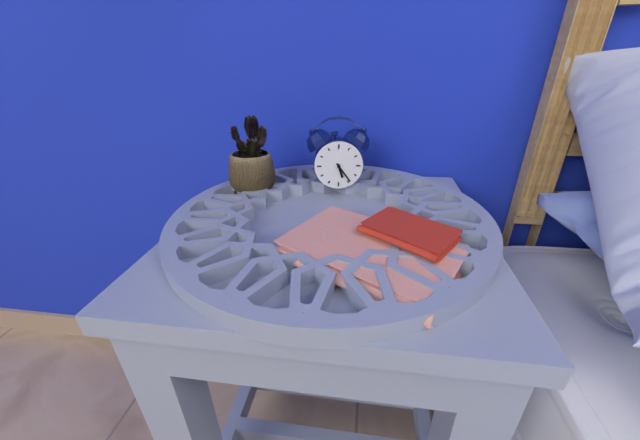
5:24
